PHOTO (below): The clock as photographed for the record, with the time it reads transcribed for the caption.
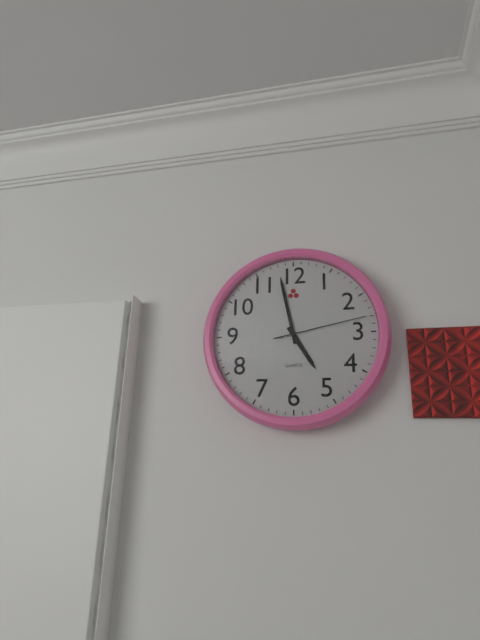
4:58:13
